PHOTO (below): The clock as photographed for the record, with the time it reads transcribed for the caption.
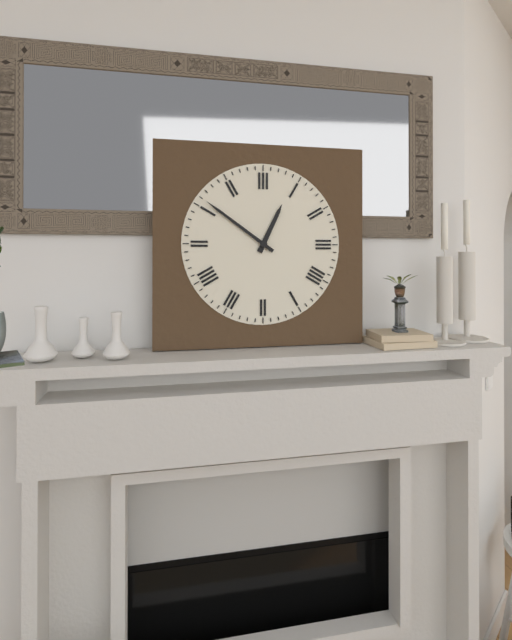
12:51
